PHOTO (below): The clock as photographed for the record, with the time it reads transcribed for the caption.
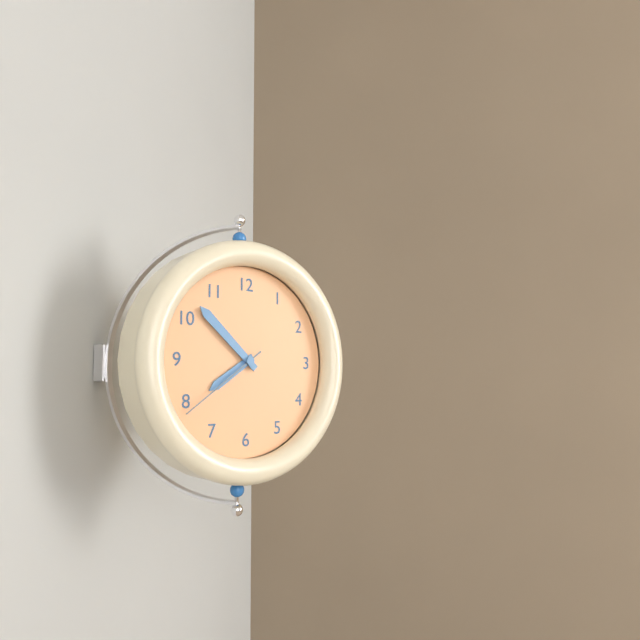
7:52:39
